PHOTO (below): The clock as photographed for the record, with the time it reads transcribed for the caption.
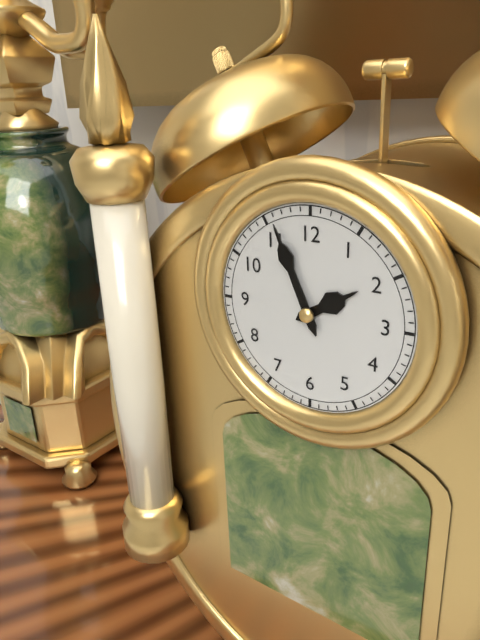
1:56
